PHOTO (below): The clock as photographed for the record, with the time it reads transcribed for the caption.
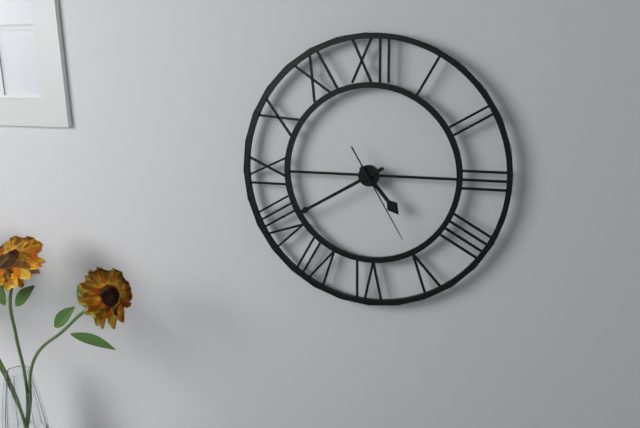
4:40:25
